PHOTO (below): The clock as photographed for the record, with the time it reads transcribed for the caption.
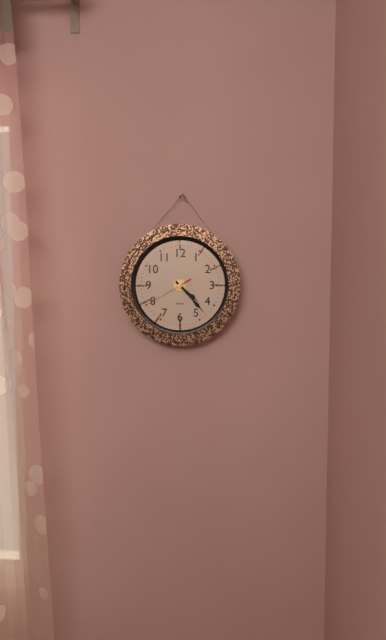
4:23
